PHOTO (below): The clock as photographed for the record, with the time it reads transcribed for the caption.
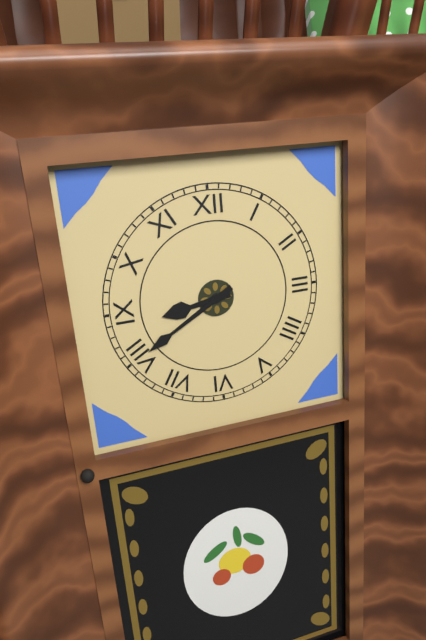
8:40
